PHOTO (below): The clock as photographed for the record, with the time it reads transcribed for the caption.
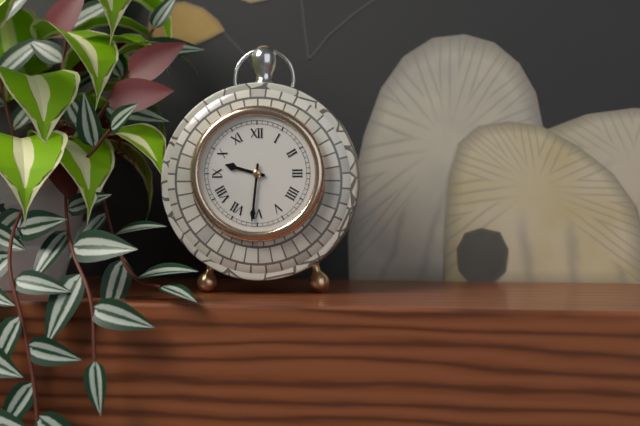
9:31
